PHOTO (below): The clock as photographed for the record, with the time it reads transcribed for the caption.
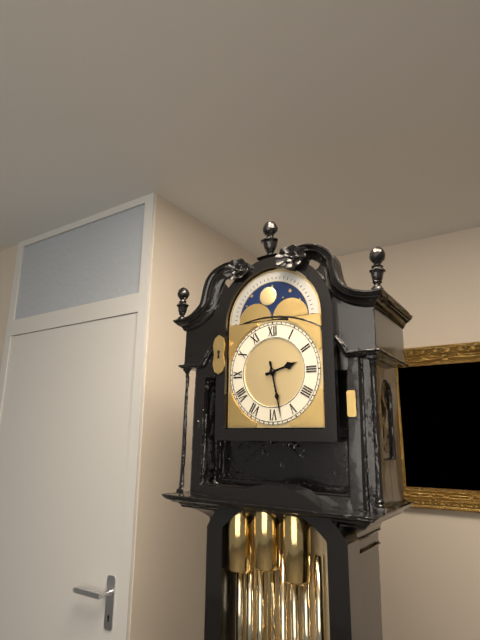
2:28
